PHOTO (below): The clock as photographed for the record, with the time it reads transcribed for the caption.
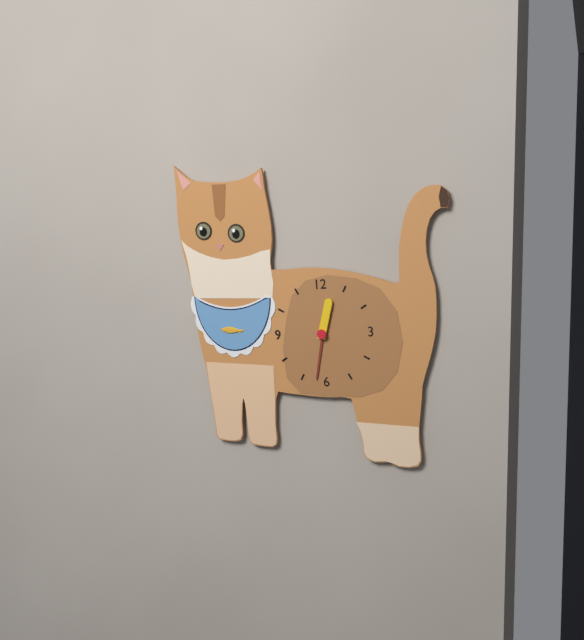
12:32
